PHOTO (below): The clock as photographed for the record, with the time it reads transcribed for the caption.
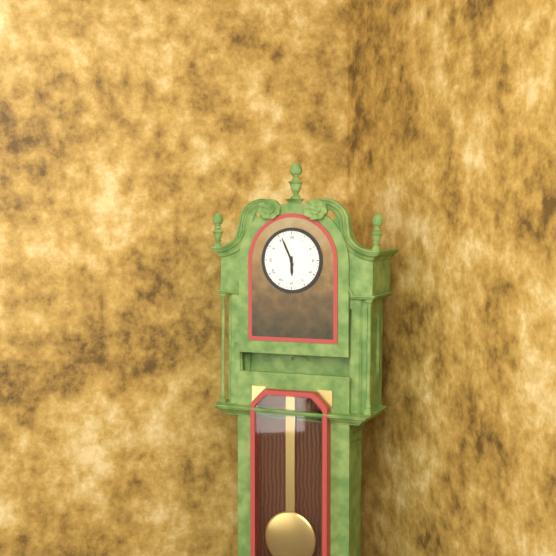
5:56
